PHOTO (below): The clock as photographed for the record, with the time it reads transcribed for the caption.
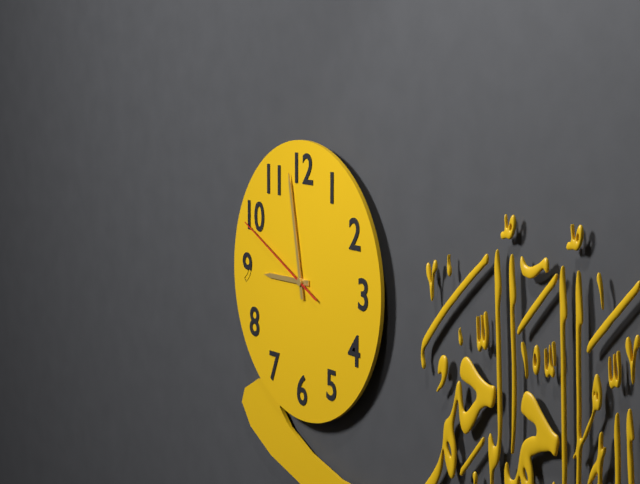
8:58:49
